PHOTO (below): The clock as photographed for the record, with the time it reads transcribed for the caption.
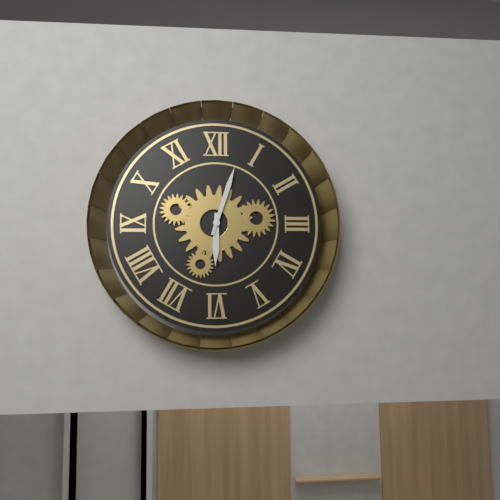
6:03
